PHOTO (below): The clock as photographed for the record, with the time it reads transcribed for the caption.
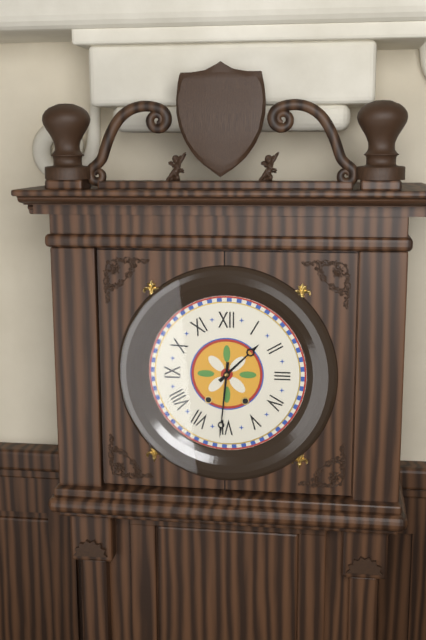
1:31
